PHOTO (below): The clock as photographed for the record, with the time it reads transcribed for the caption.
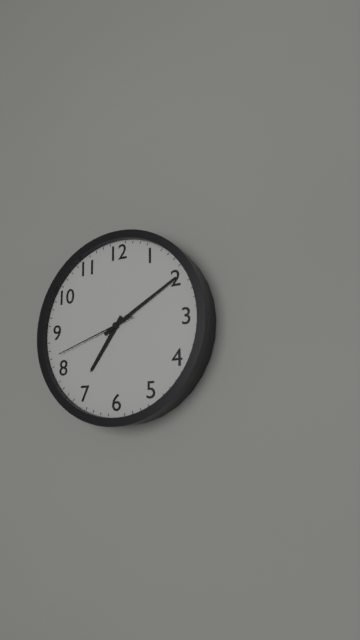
7:10:42
